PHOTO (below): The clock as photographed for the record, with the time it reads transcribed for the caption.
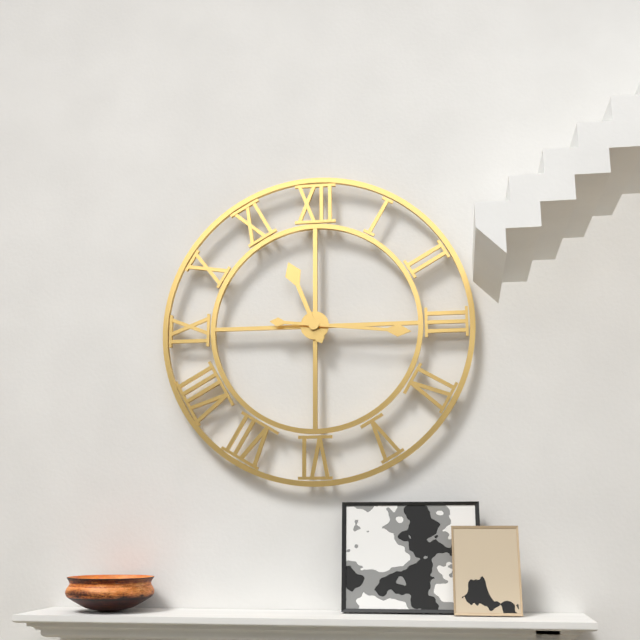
11:16
